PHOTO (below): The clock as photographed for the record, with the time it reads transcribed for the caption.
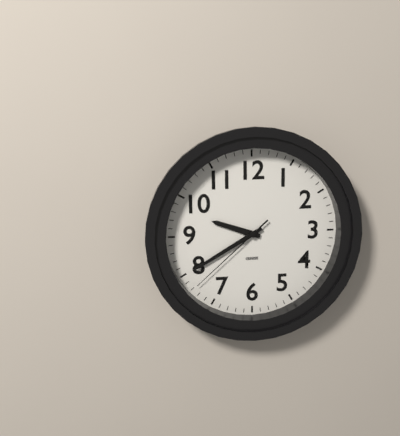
9:40:38
